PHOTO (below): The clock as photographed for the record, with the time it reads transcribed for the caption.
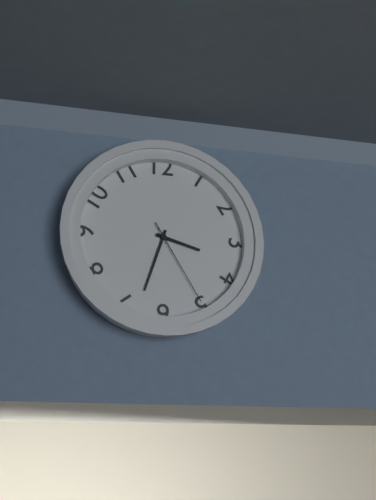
3:33:25
